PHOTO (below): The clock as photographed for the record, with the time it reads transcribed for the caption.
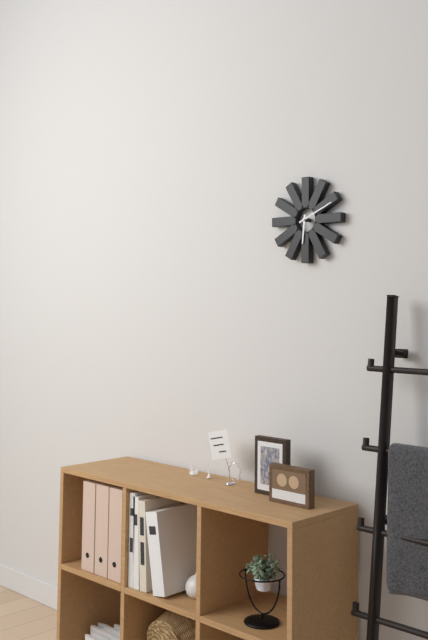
6:11
